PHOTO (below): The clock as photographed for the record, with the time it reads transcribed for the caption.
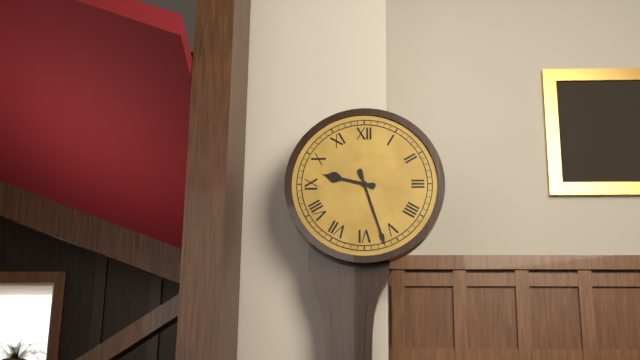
9:27
